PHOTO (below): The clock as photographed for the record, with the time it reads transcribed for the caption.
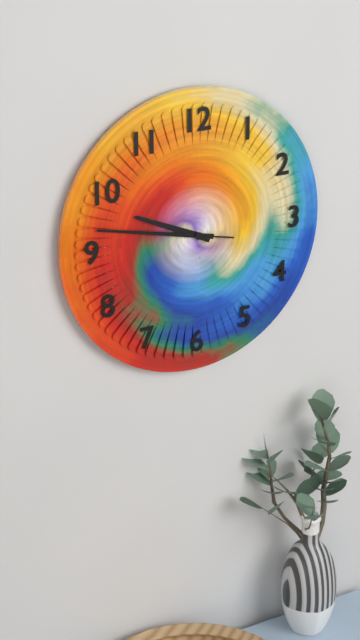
9:47:47
